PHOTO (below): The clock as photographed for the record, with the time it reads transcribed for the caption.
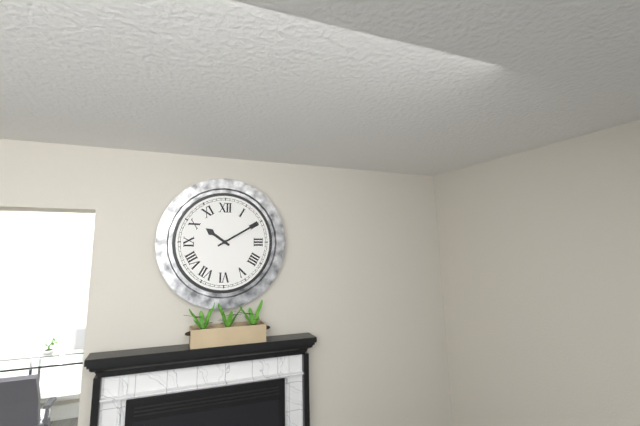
10:10
